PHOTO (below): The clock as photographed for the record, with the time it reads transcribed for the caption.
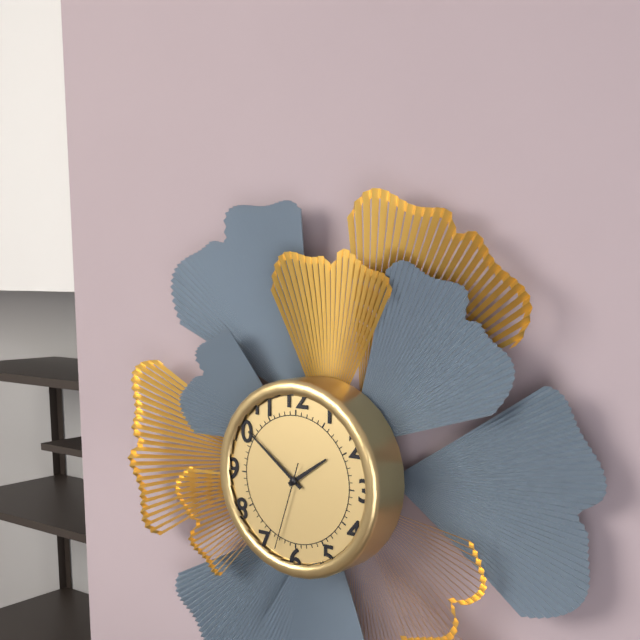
1:51:33
